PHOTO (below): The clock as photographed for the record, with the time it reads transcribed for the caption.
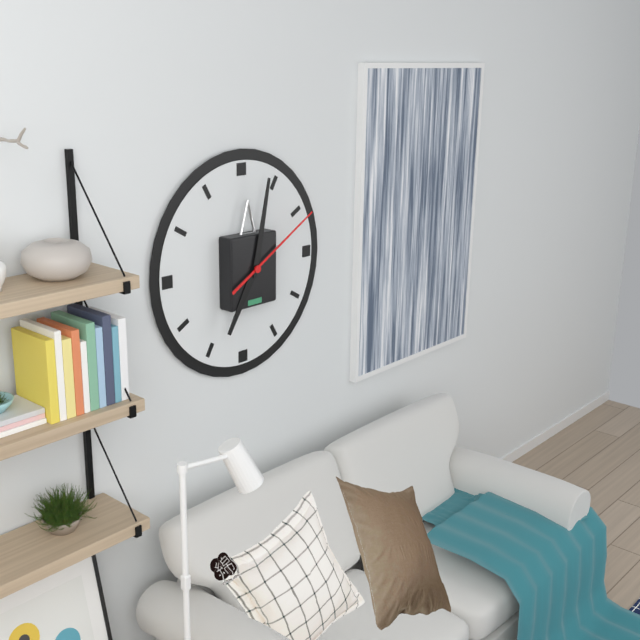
7:02:10
